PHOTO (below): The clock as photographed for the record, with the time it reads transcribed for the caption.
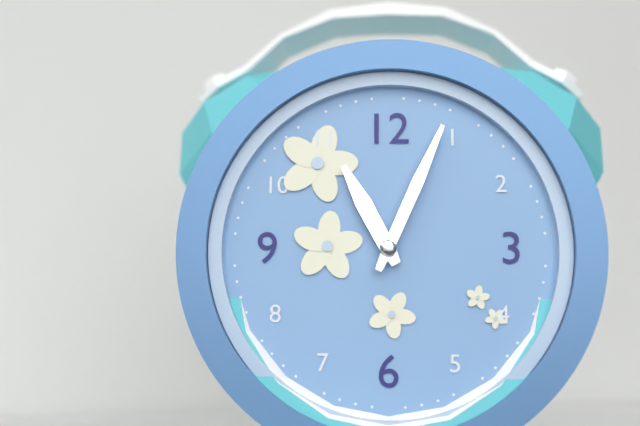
11:04
